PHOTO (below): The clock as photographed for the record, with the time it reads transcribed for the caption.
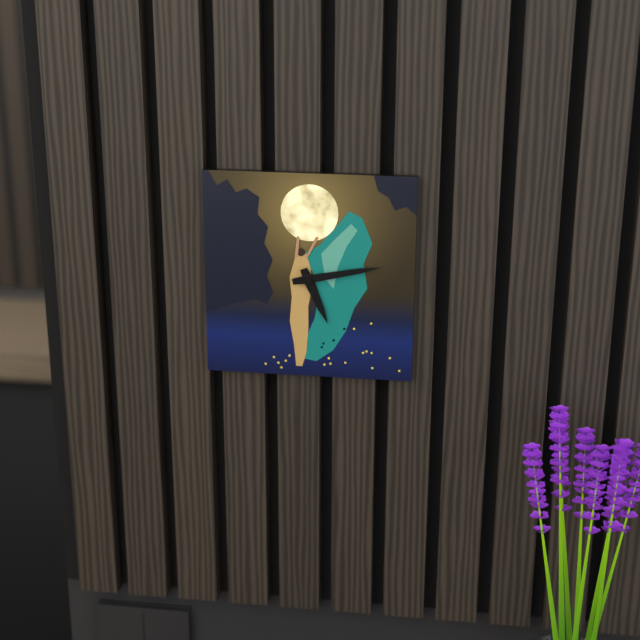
5:13
